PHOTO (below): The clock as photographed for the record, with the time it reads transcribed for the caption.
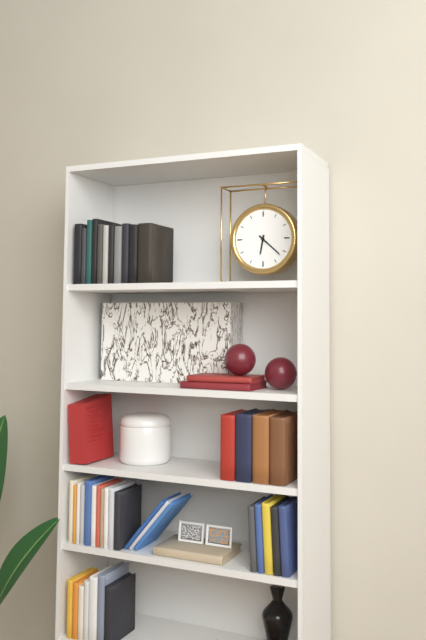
6:22
